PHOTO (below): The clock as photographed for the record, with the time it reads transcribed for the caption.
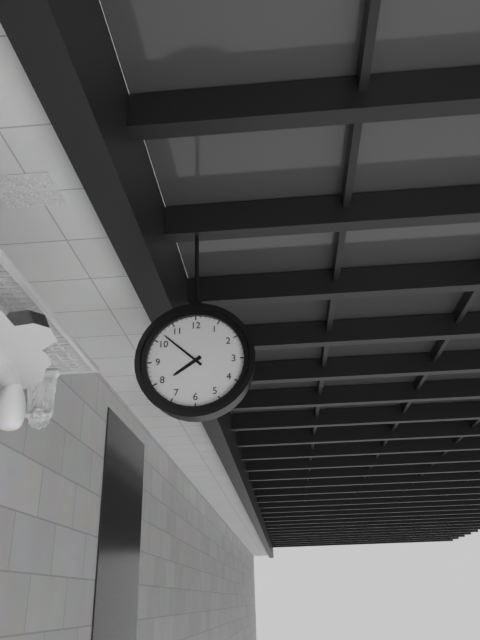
7:52
